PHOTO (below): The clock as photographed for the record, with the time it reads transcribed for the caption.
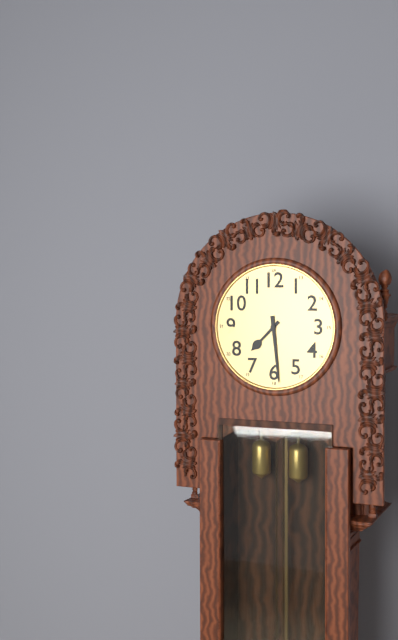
7:29
